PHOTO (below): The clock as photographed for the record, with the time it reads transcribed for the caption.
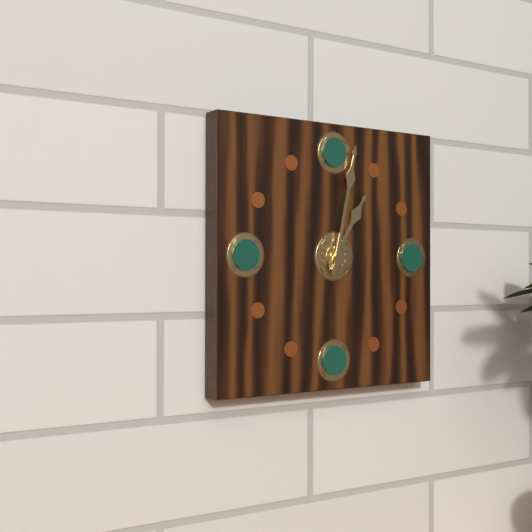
1:02
